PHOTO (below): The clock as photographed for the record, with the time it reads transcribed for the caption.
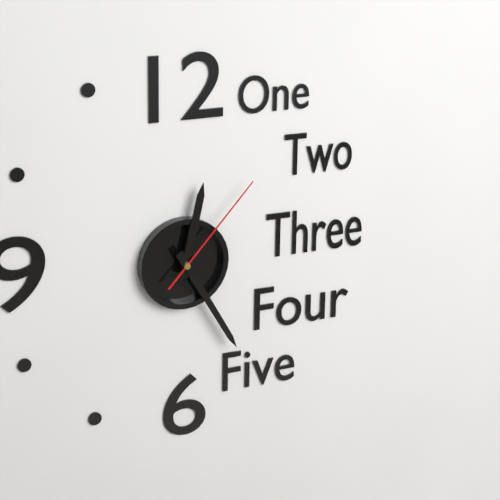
12:25:07
